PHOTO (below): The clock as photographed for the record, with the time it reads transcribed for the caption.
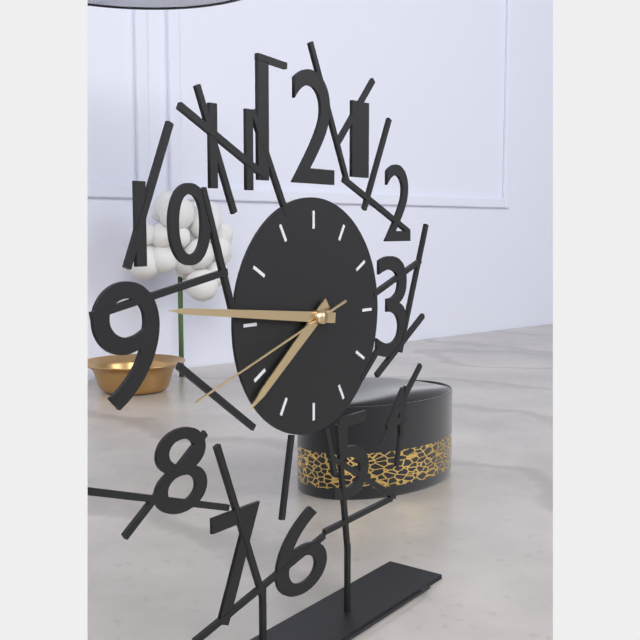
7:46:42
